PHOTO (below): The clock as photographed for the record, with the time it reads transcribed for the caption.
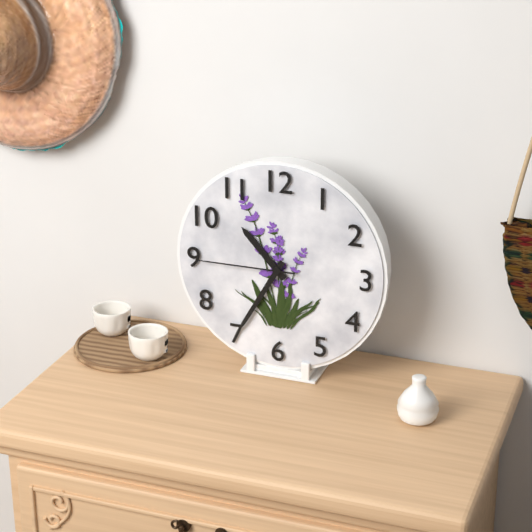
10:35:45
